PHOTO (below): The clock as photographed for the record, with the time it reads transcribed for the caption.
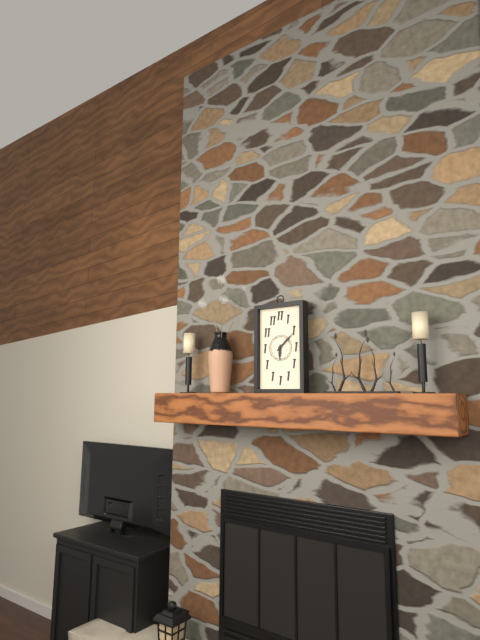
6:08
